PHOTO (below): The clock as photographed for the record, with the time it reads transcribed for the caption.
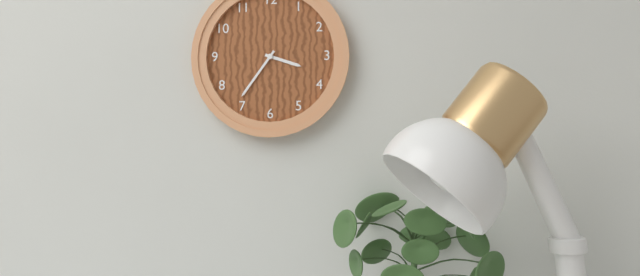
3:36
